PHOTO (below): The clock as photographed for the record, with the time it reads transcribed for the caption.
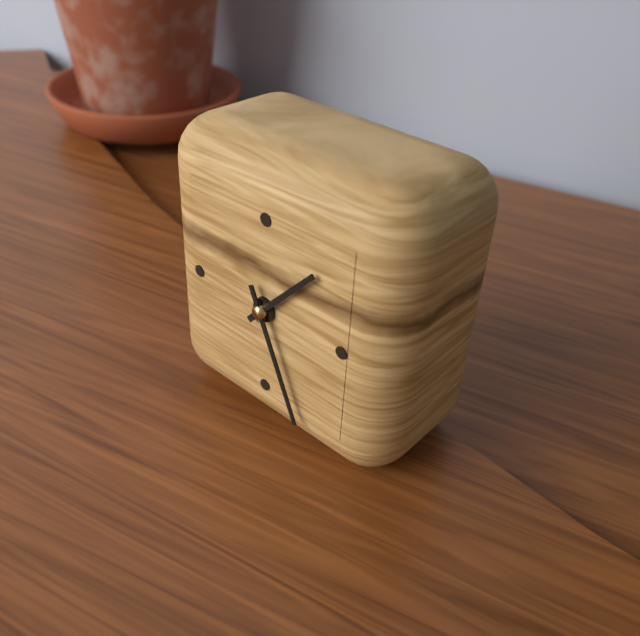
1:26
